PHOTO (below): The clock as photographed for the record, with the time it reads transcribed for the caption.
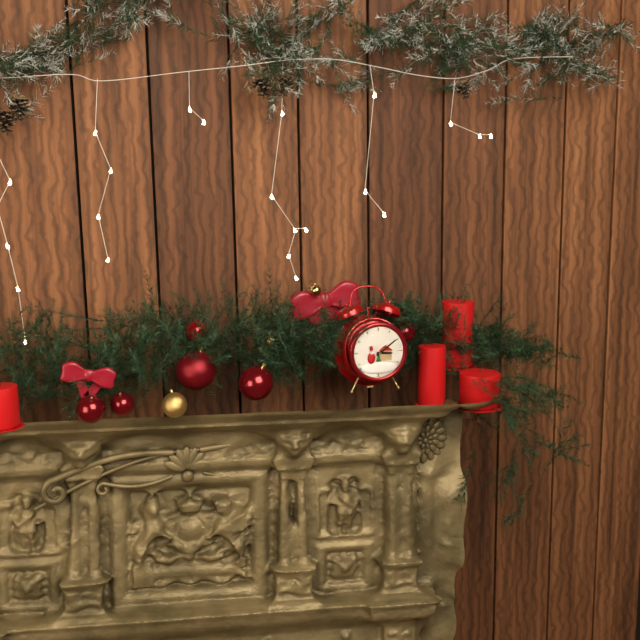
3:09
